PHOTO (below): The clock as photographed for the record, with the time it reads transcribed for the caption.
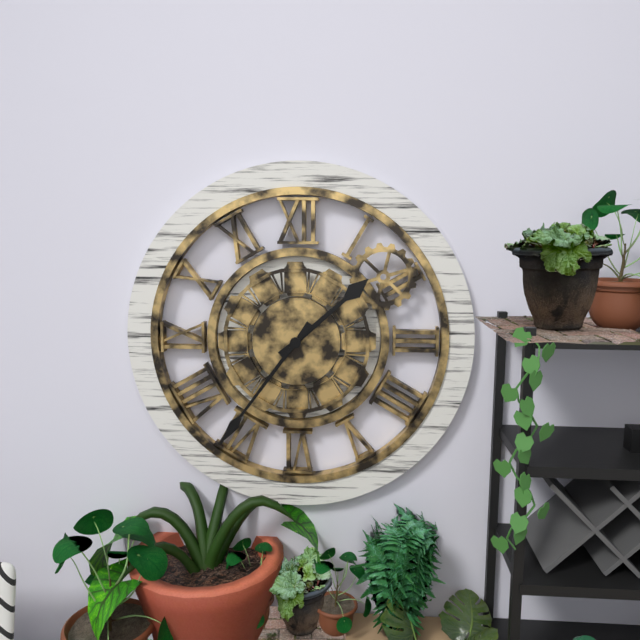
1:36
